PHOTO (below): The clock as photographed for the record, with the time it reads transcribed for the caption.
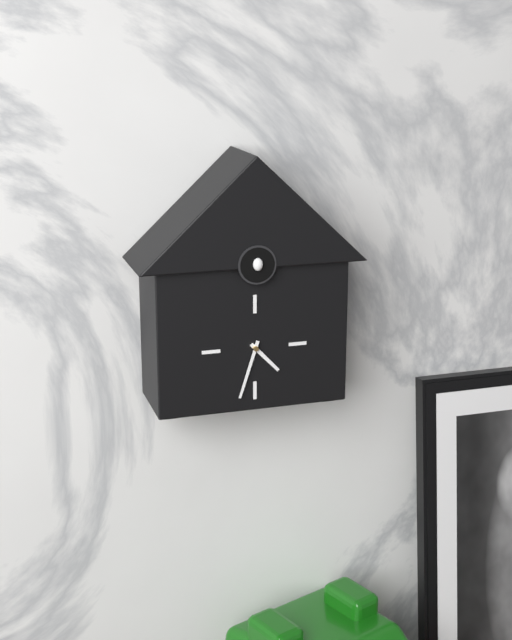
4:33
